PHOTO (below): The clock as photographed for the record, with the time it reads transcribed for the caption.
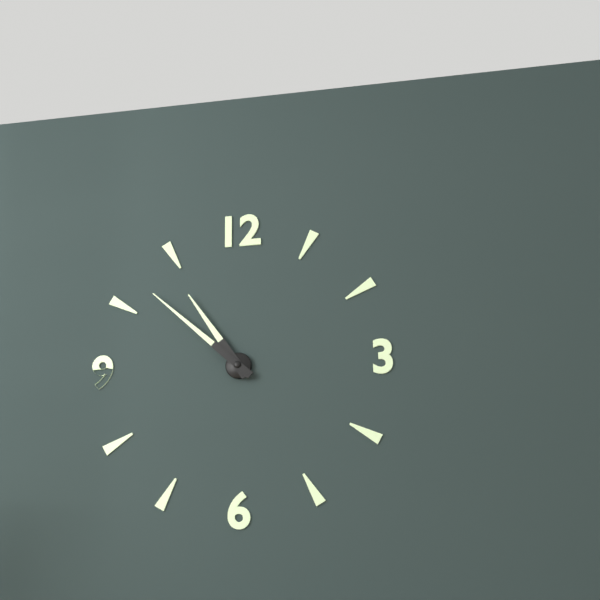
10:52
